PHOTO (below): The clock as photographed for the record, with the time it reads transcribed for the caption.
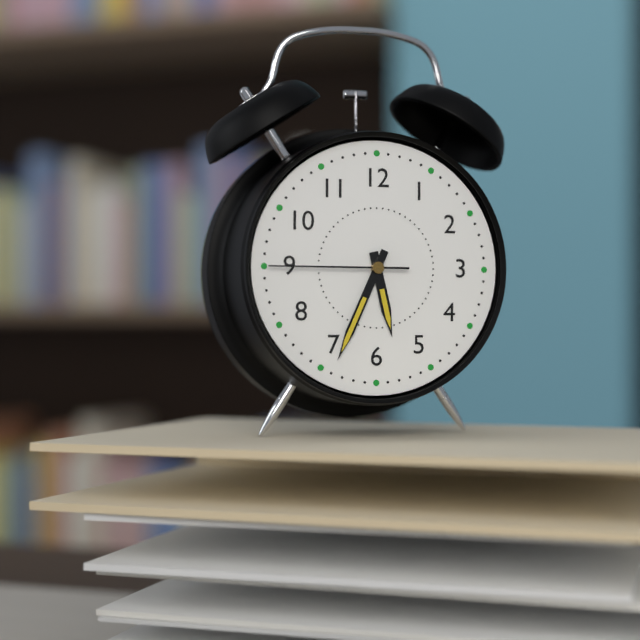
5:34:45
